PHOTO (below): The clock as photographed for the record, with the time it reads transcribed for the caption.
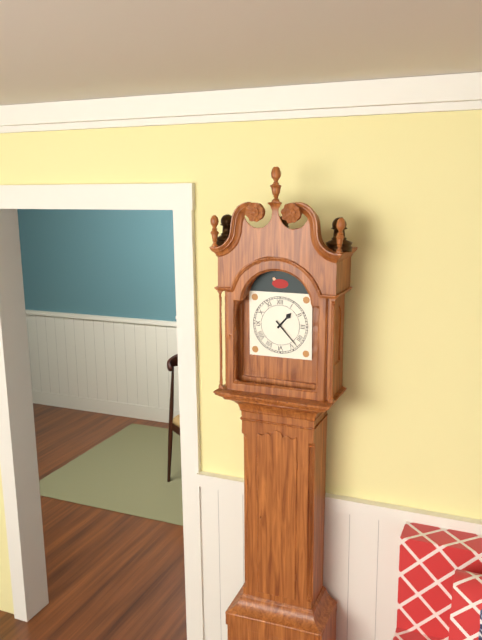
1:23
